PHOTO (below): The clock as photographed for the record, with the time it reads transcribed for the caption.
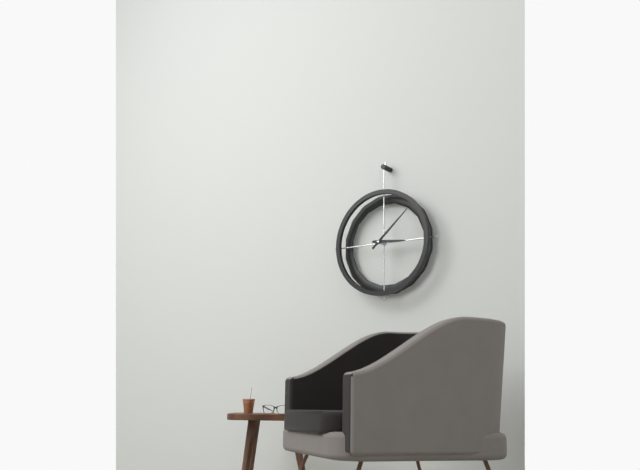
3:08
